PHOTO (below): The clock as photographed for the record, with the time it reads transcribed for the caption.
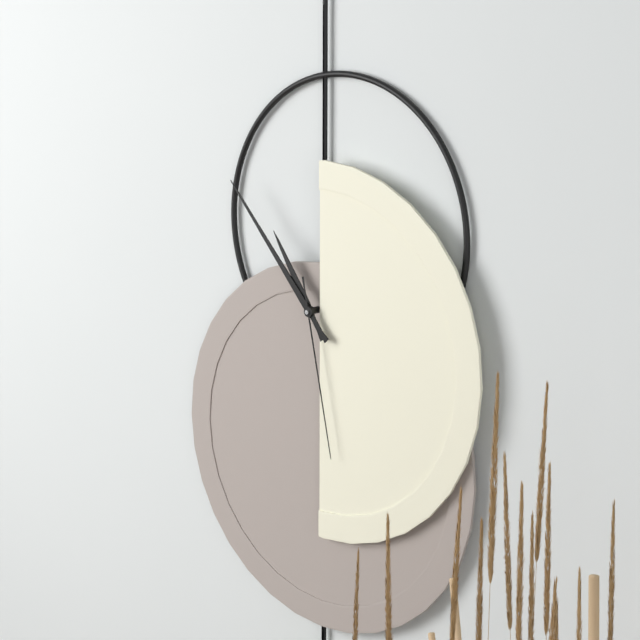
10:53:28
